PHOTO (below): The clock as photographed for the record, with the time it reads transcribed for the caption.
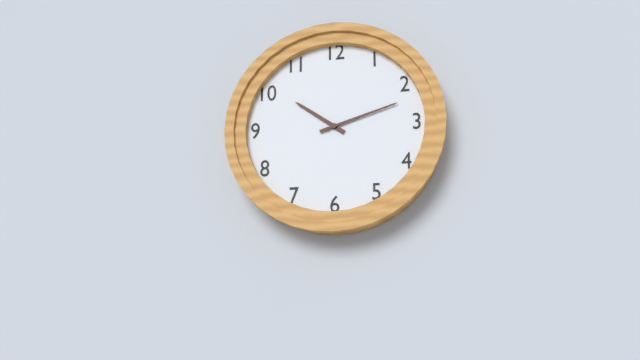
10:12
